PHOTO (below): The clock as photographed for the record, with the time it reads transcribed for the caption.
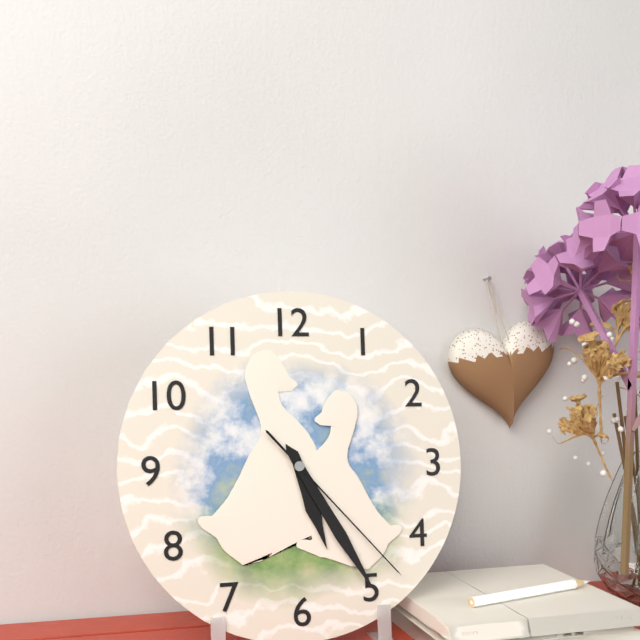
5:25:23
